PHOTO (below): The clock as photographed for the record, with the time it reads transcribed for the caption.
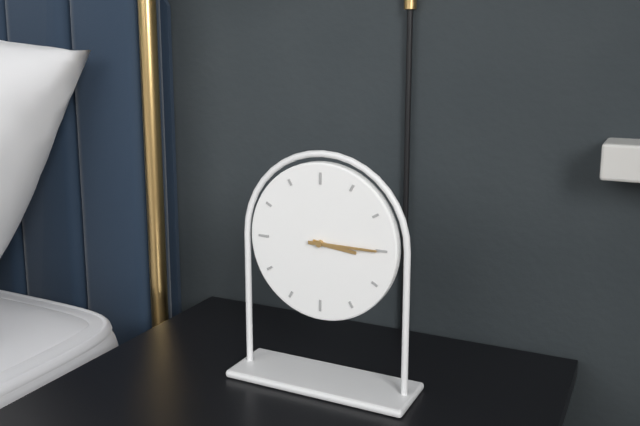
3:15
